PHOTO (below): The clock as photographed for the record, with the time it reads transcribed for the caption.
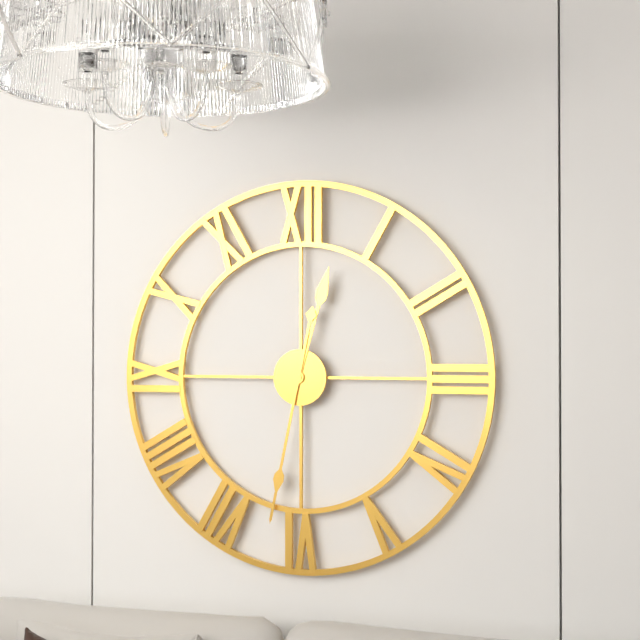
12:32
